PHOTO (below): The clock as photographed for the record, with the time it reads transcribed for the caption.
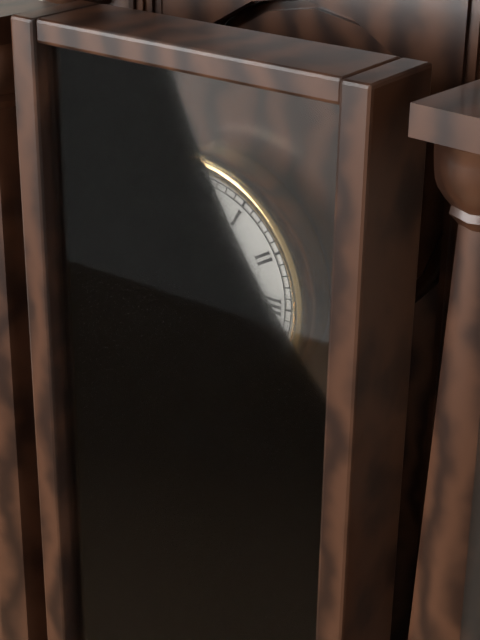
10:31
